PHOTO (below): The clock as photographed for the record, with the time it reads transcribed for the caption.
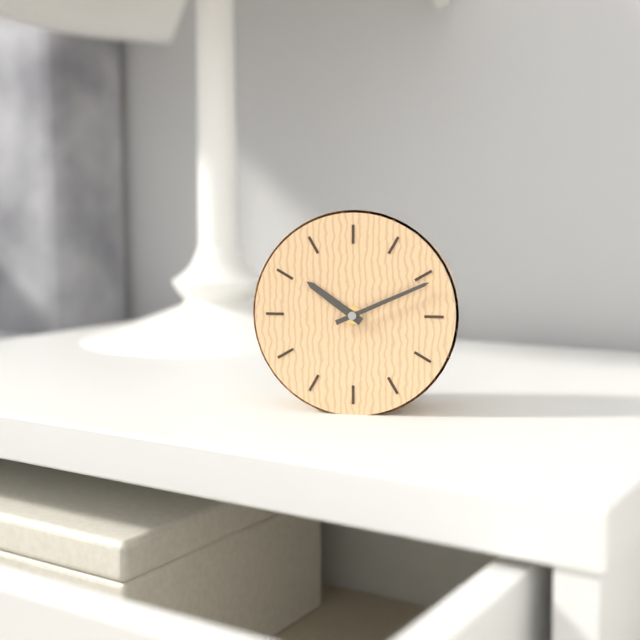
10:11
